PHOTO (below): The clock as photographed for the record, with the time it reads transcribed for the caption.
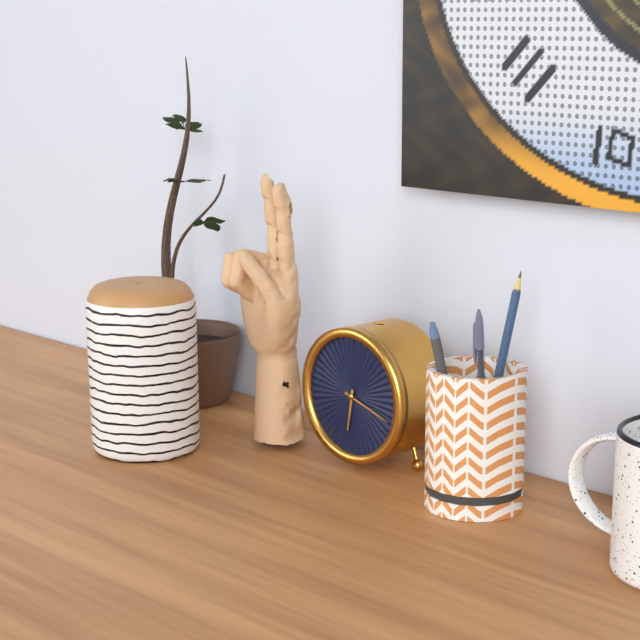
6:18
